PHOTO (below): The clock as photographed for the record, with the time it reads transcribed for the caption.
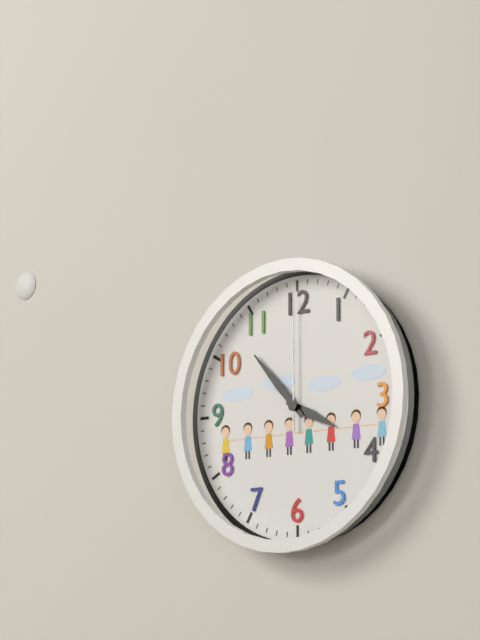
3:53:00
